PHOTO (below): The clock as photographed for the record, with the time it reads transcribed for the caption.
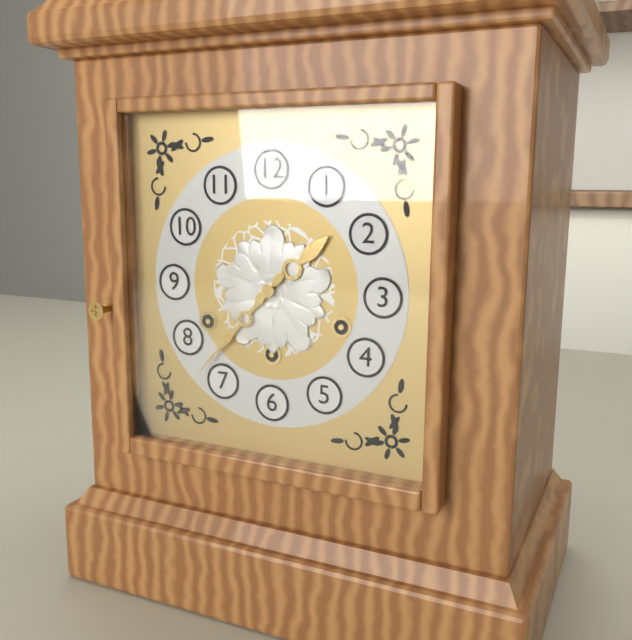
1:37
